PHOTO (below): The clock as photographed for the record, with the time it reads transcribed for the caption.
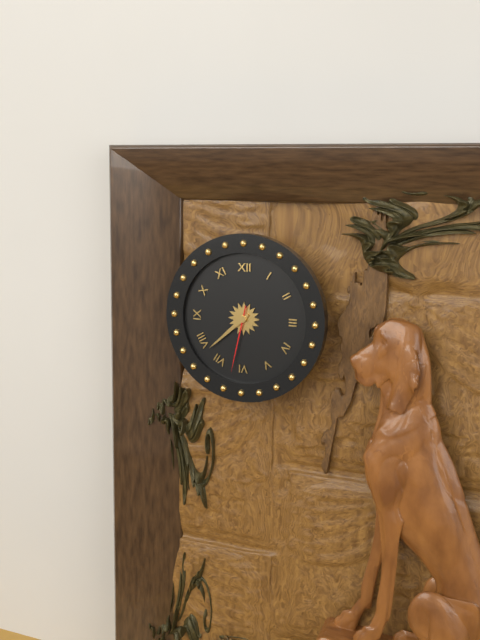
7:38:32
